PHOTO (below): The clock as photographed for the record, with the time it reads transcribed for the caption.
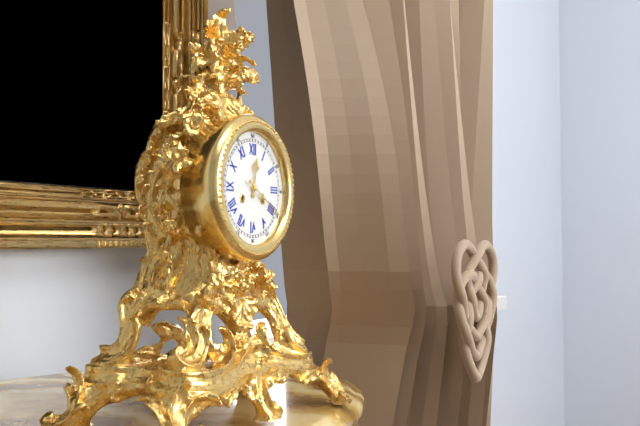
12:20
